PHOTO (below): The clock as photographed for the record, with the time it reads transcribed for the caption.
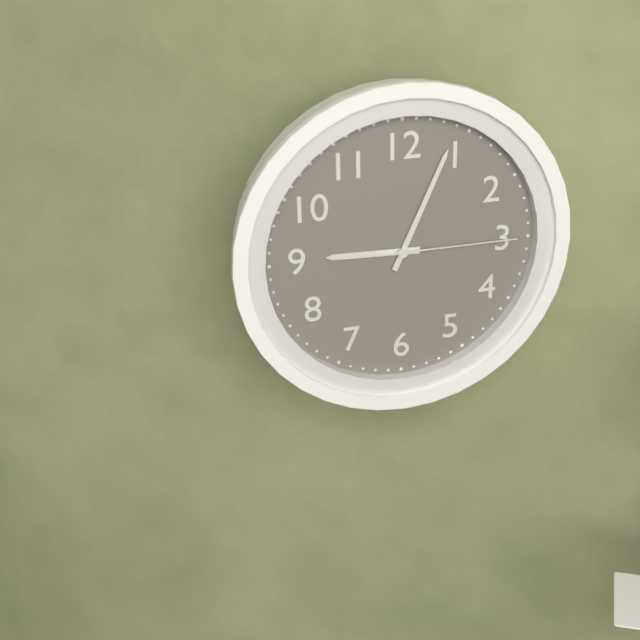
9:04:15
